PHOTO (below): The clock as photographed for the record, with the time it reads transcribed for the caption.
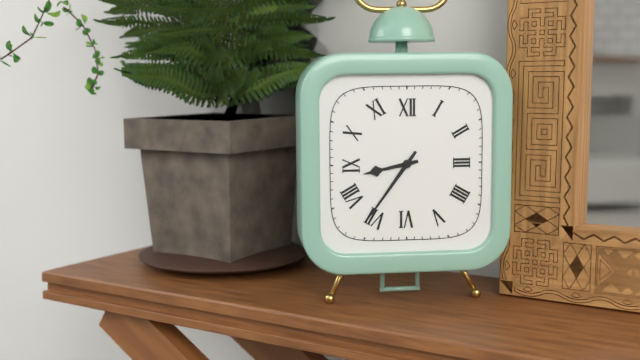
8:36
